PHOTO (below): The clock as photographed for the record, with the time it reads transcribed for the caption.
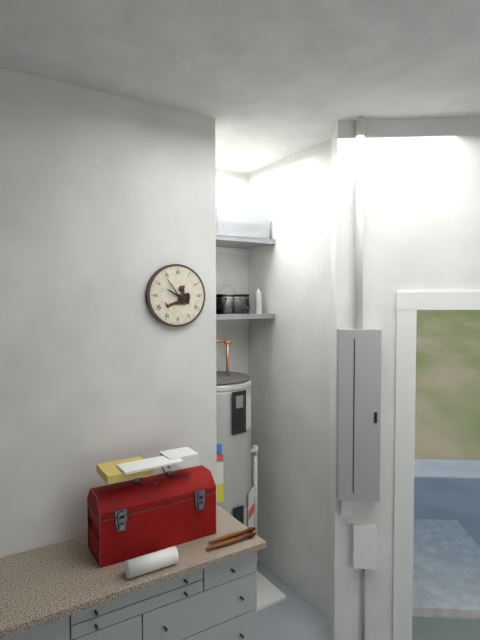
9:54
